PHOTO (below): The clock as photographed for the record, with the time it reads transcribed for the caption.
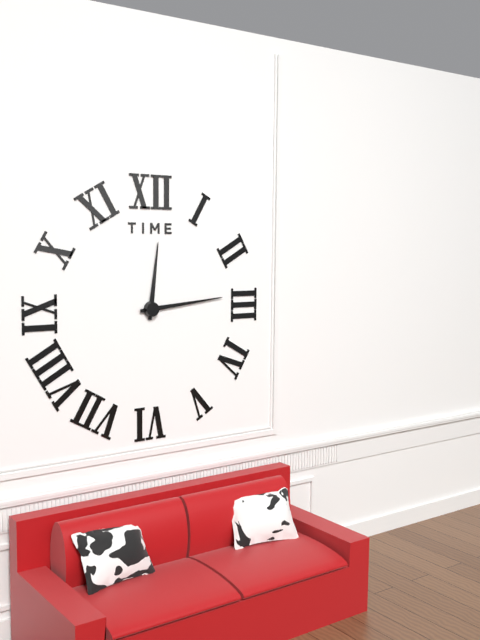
12:14
